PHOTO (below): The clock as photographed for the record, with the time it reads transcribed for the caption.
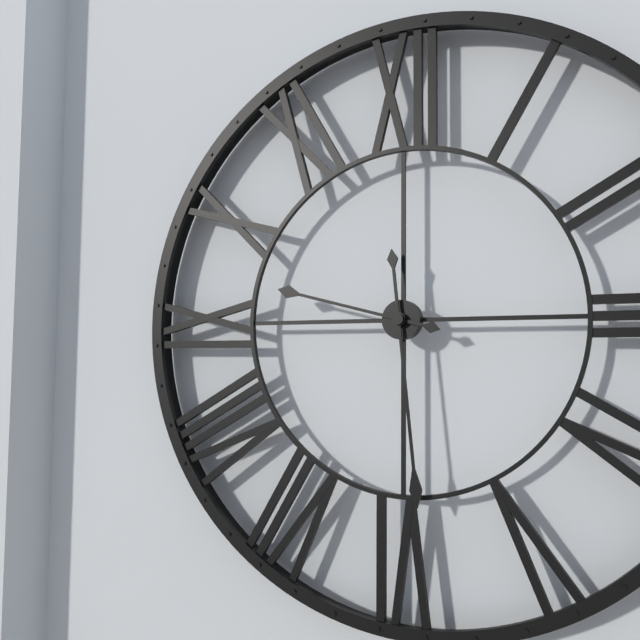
9:29
